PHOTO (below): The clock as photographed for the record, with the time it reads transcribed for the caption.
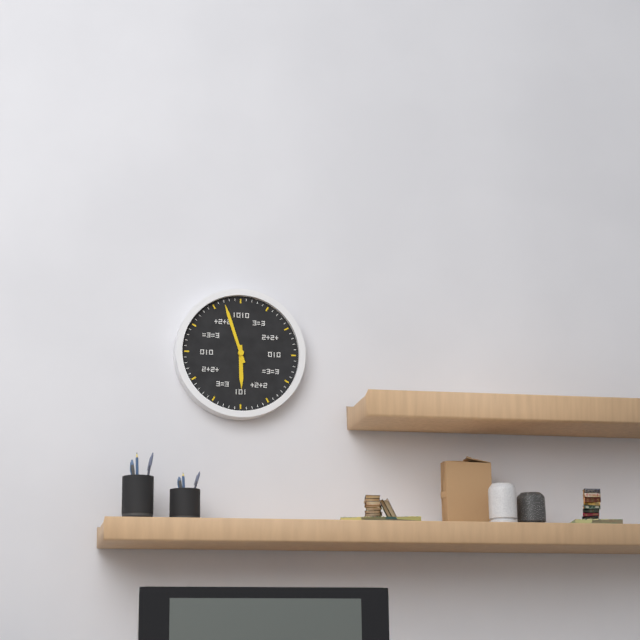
5:57
